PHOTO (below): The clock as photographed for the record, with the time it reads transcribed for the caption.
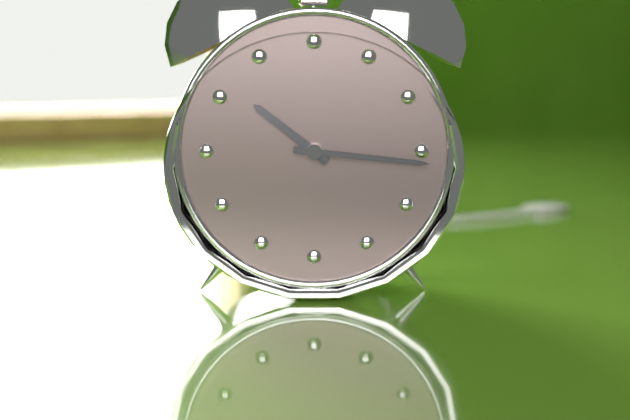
10:16
